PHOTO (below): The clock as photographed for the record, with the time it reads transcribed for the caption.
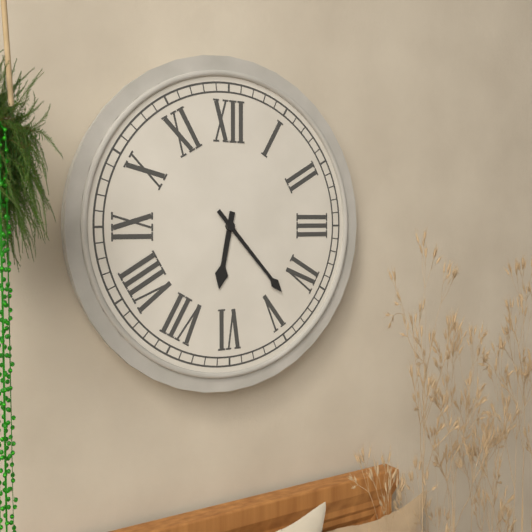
6:23
